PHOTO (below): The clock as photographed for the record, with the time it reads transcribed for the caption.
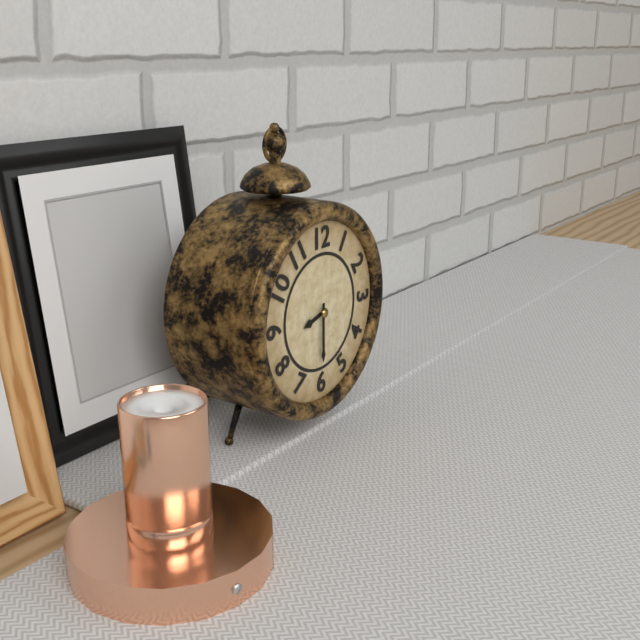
8:30
